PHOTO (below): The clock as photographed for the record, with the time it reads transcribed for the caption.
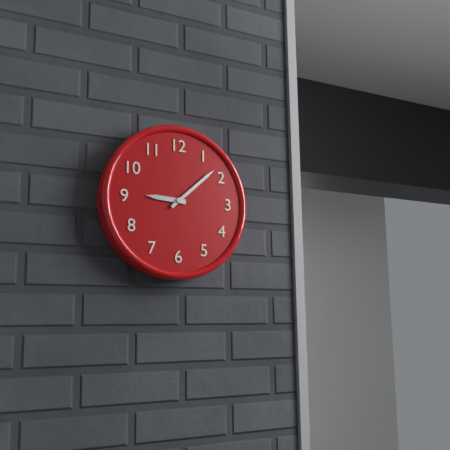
9:08
